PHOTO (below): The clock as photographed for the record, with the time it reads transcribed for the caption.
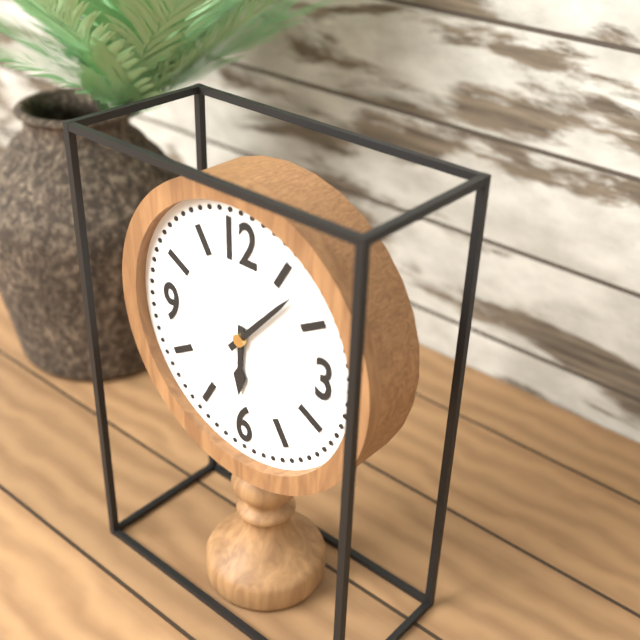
6:07
